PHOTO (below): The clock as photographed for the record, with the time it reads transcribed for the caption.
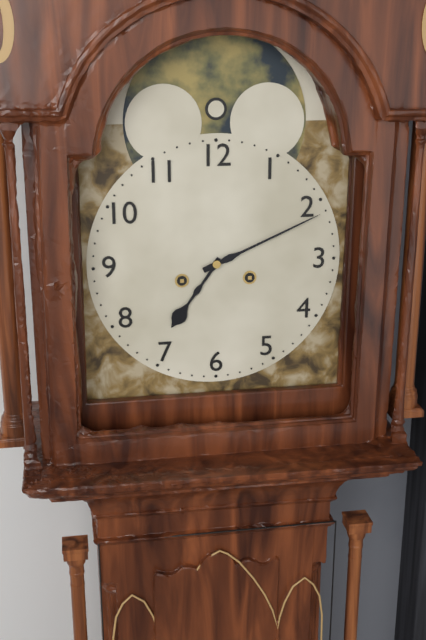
7:11
